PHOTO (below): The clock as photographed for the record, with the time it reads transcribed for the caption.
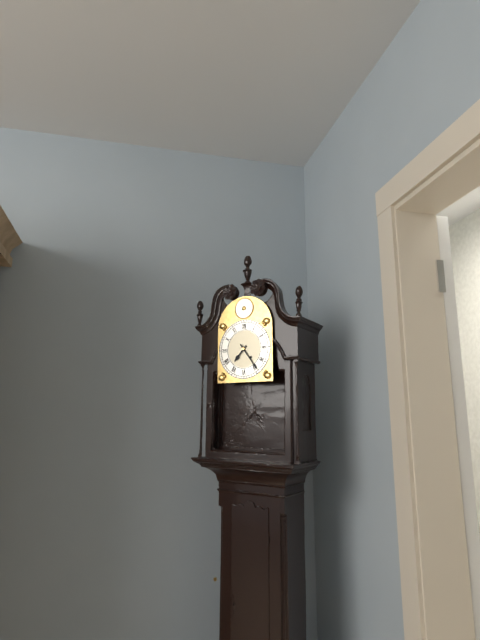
7:24
